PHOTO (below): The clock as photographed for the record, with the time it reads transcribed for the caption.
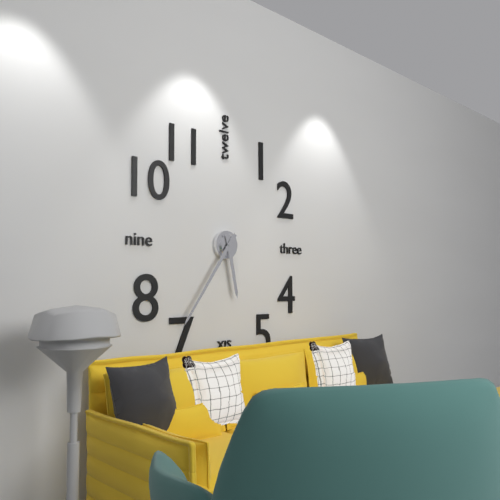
5:36
